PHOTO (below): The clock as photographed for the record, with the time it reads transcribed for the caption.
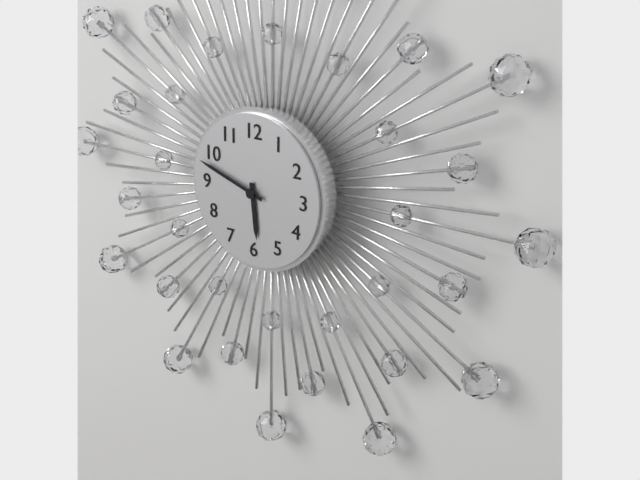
5:48
